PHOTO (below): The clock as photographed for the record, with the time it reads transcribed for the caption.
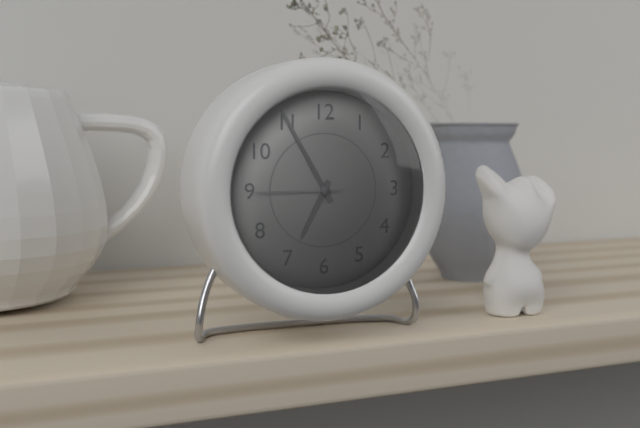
6:55:45
